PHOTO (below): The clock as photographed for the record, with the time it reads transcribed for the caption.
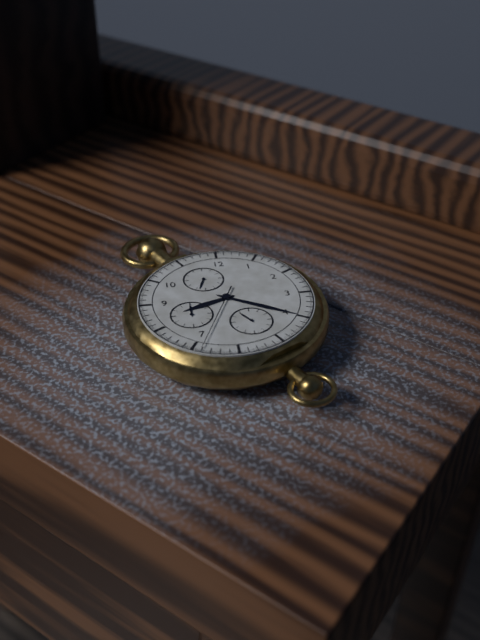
8:20:34
